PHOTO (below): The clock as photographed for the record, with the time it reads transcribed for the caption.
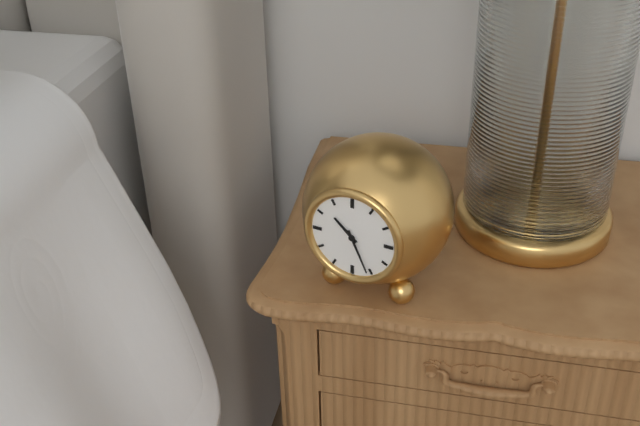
10:26
